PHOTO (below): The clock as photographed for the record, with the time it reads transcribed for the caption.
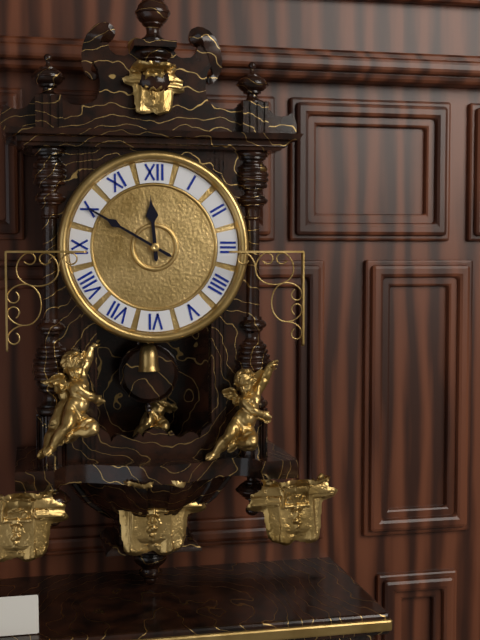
11:50
